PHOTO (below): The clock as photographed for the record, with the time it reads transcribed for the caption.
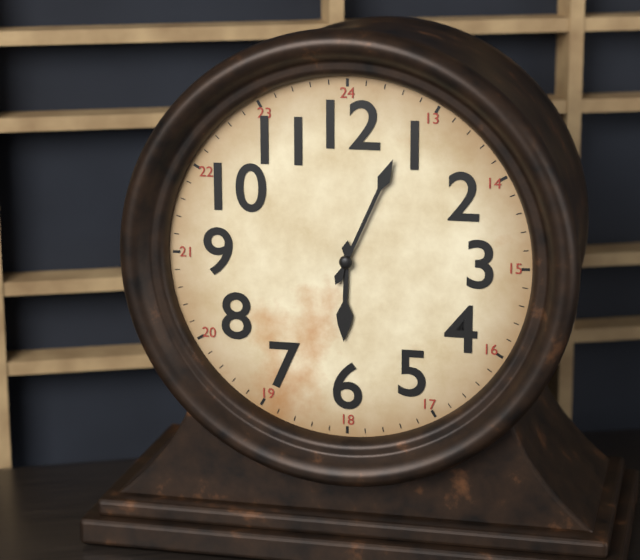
6:04
